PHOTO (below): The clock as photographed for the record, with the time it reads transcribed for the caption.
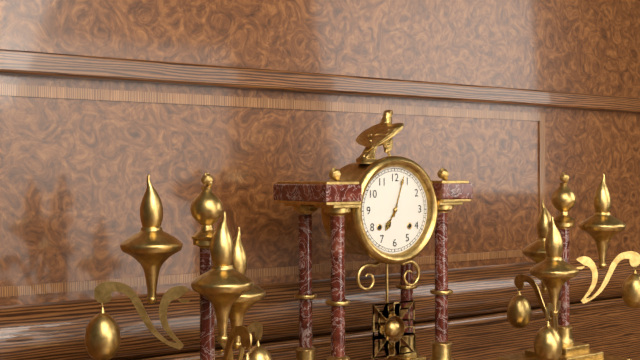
7:03
